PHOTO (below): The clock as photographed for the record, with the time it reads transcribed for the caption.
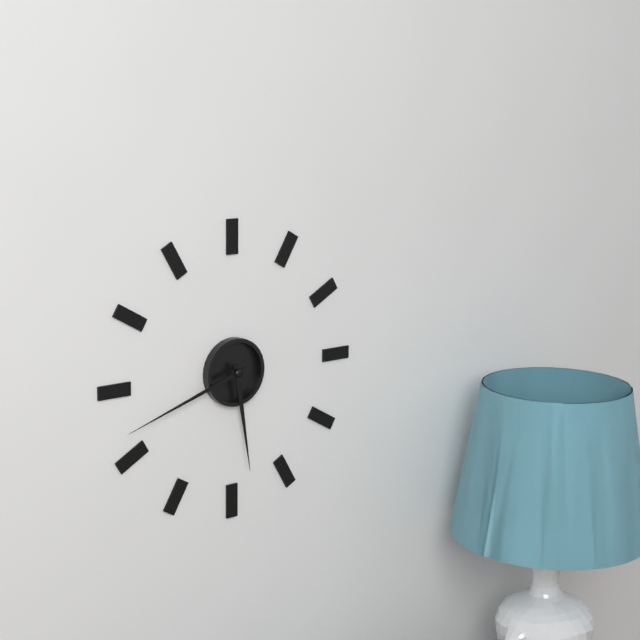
5:42
